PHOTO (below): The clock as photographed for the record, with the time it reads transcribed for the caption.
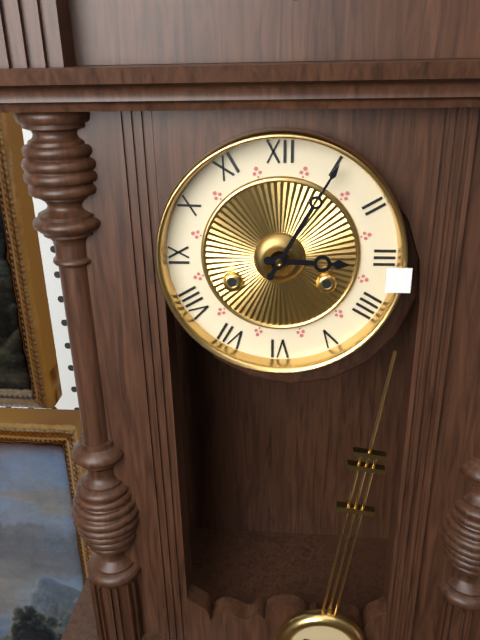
3:05
